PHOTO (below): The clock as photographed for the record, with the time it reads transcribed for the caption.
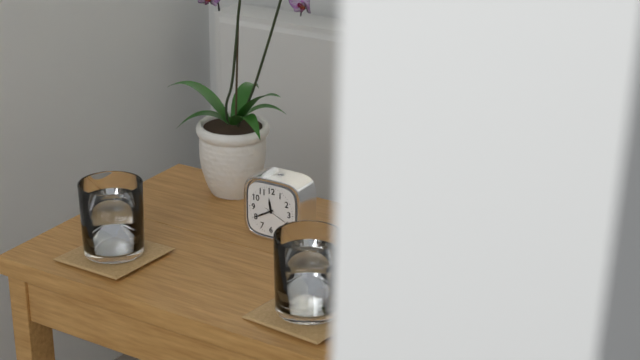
11:40
